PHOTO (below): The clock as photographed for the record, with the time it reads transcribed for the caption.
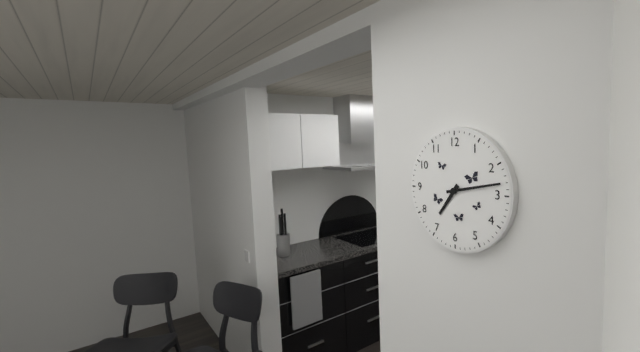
7:13
